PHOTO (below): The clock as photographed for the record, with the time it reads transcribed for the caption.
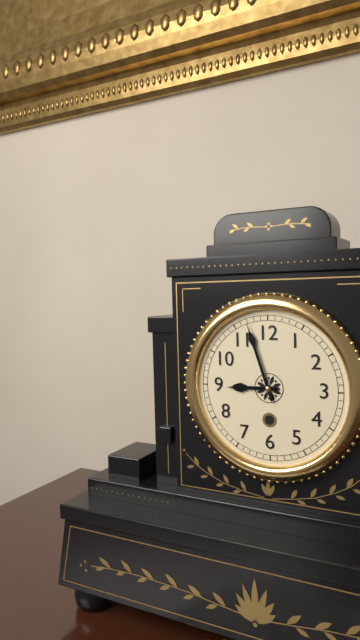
8:57
